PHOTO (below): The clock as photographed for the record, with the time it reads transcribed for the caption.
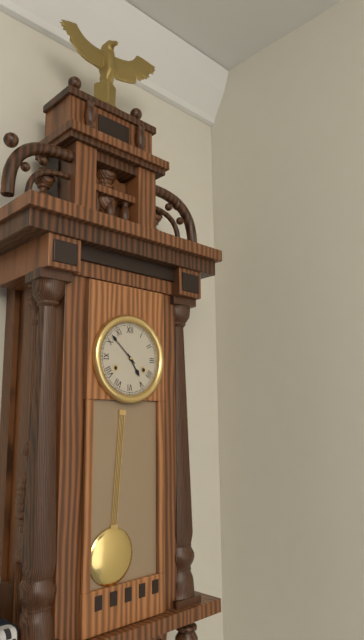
4:52
